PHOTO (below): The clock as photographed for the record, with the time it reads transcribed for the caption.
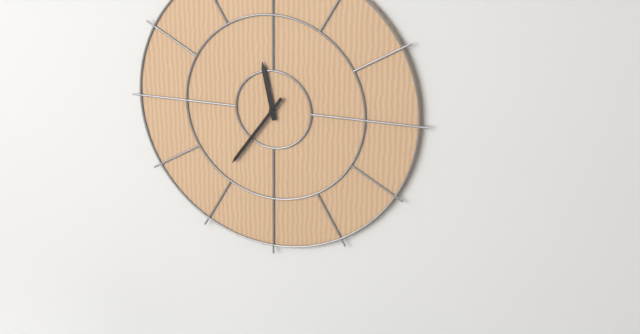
11:36
